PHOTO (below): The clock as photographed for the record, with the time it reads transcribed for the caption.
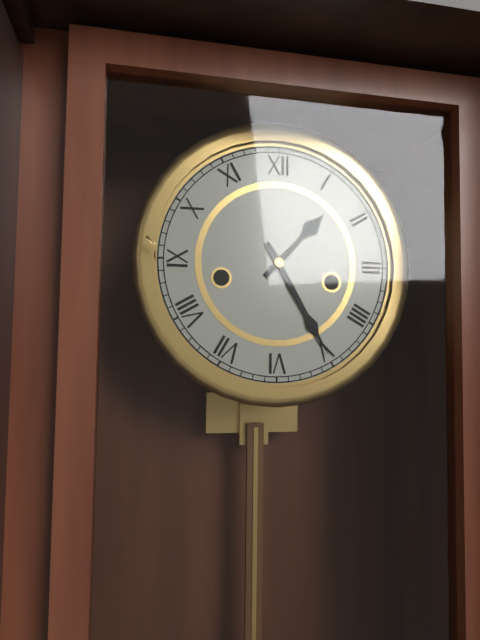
1:25
